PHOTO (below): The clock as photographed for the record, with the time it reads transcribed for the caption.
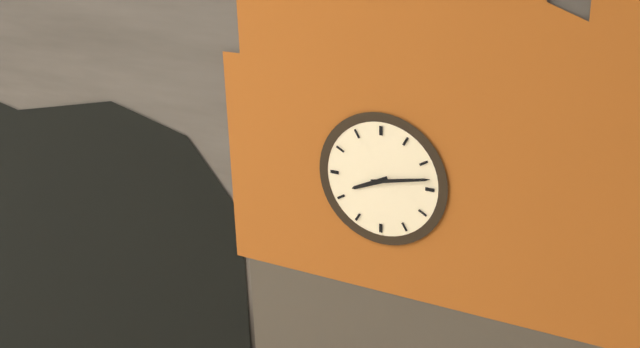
8:13
